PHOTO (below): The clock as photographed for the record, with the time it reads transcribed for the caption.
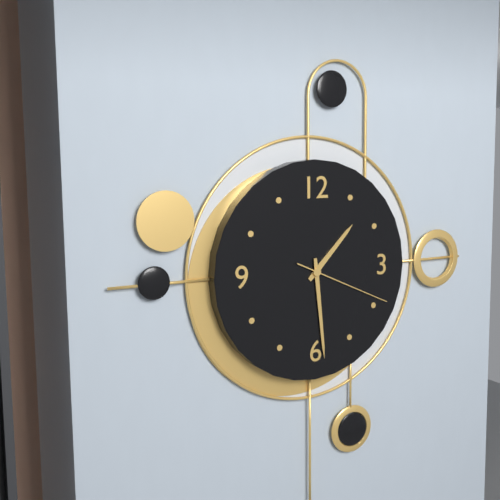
1:29:19
